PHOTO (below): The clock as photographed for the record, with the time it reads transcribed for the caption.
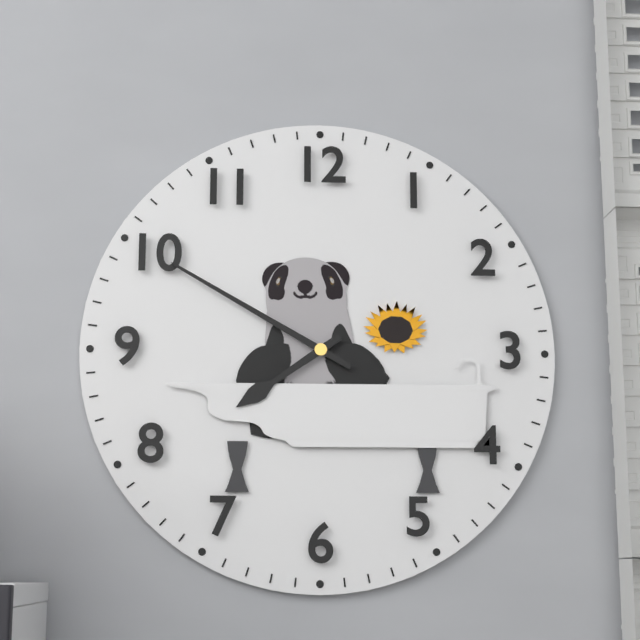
7:50
